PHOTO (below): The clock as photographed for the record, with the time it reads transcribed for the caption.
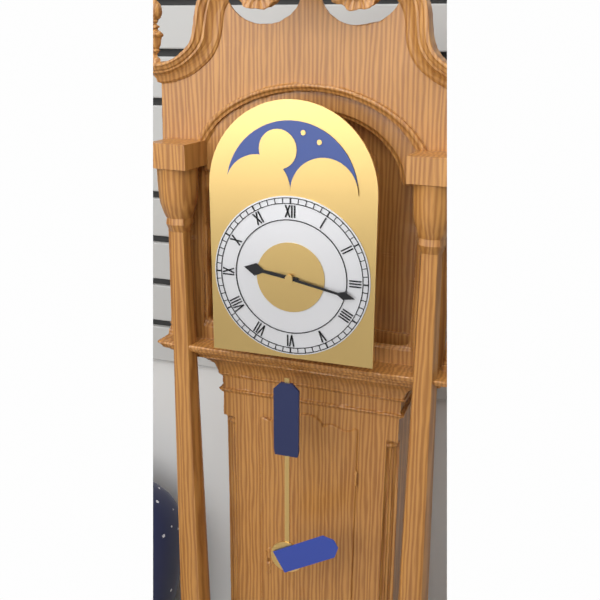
9:17
